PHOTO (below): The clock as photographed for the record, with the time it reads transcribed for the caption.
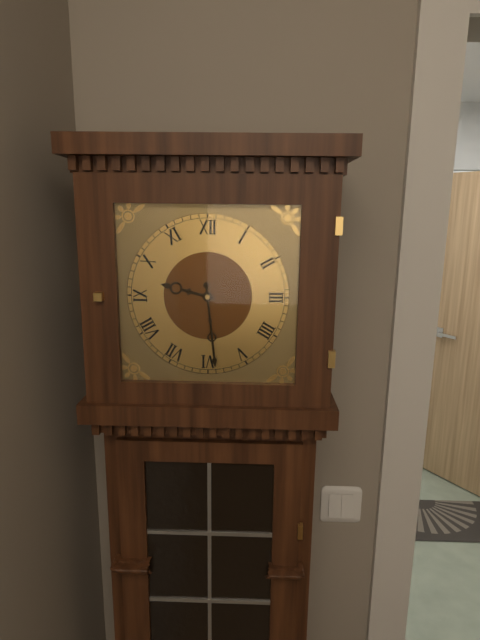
9:29
